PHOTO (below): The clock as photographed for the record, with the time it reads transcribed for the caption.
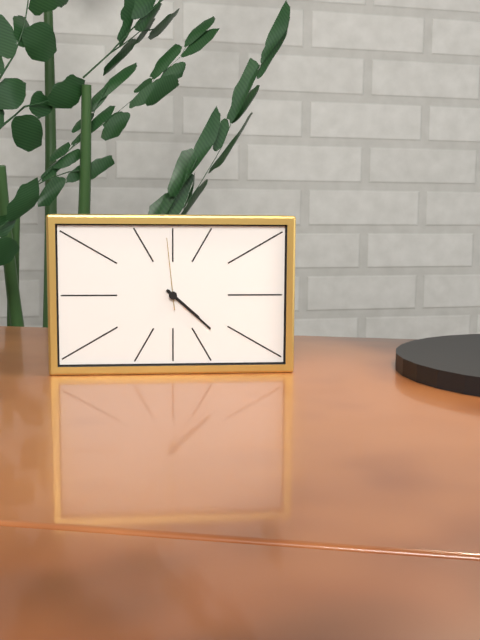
4:22:59
